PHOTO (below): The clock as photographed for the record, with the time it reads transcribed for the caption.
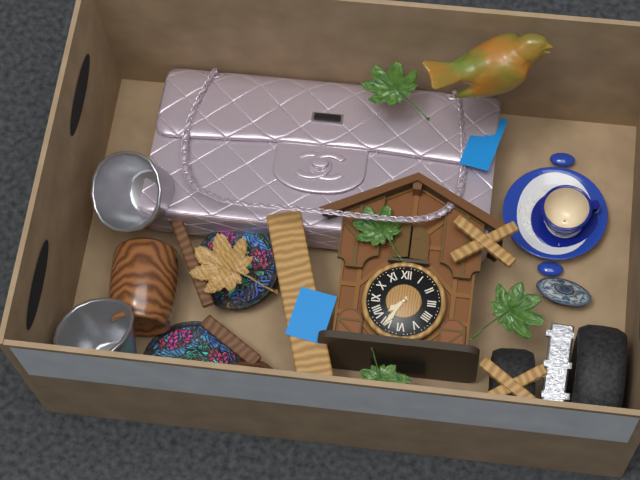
7:35
